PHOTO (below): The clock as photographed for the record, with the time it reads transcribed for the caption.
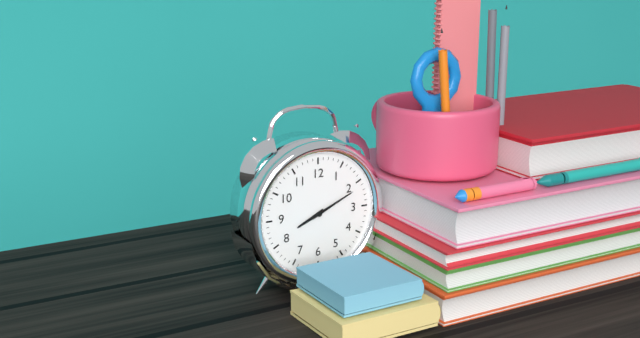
8:11
